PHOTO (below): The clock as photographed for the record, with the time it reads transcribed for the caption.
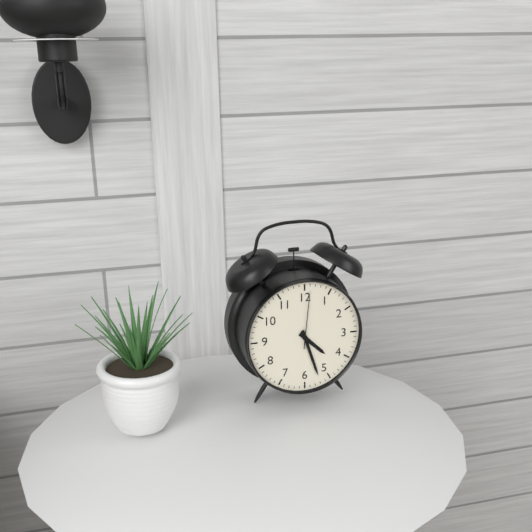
4:27:01
